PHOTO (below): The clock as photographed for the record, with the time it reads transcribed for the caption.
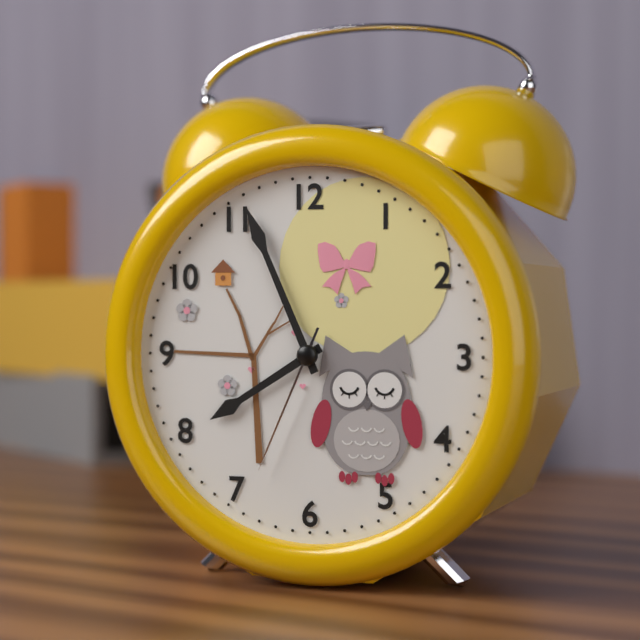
7:56:34
